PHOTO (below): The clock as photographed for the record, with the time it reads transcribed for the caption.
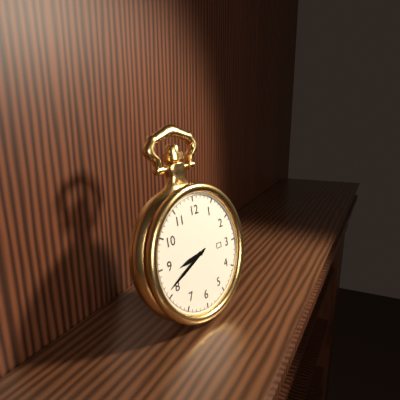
8:41
